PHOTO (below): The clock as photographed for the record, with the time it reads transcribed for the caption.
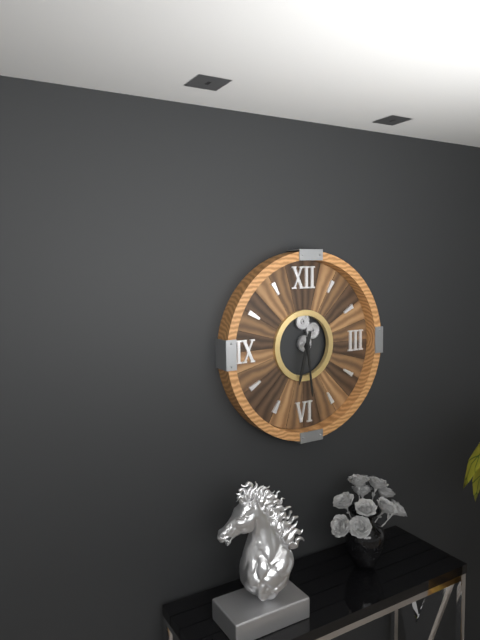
6:29
